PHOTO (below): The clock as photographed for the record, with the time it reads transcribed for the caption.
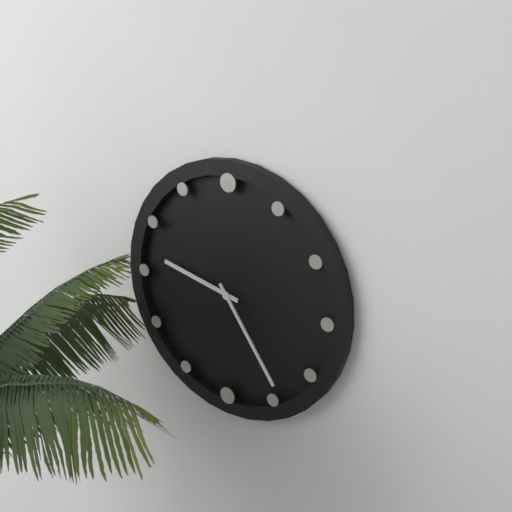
9:24
